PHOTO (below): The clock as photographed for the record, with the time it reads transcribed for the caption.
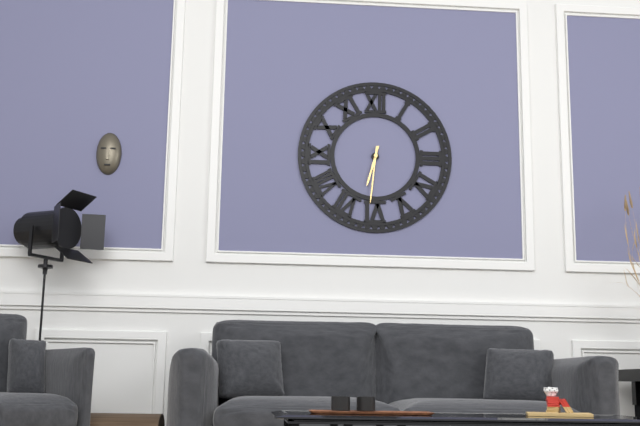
6:31
